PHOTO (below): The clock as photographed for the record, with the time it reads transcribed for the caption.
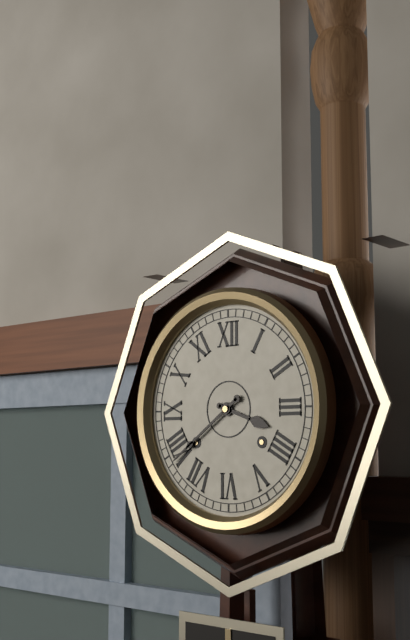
3:39
